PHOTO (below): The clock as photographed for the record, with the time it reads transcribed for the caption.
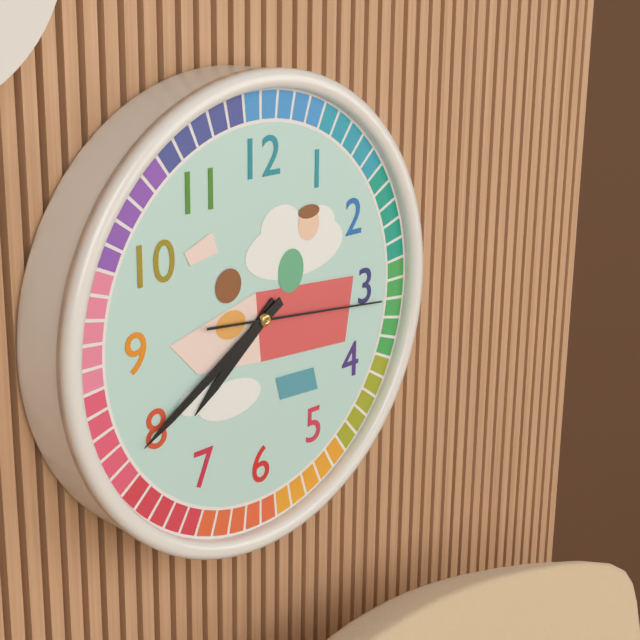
7:40:16
